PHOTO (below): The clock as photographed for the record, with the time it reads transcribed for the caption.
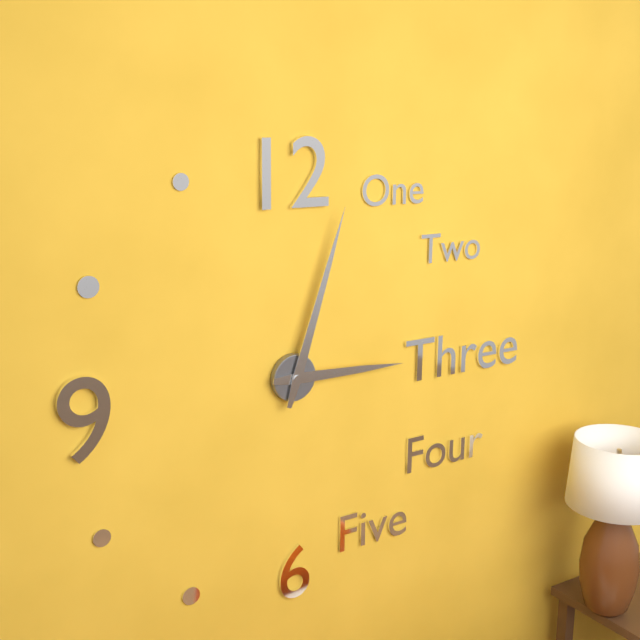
3:03
